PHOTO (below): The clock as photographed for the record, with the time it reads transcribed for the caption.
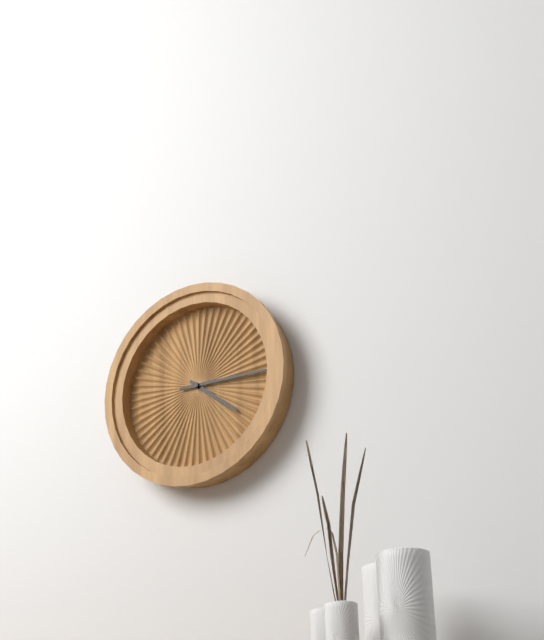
4:15
